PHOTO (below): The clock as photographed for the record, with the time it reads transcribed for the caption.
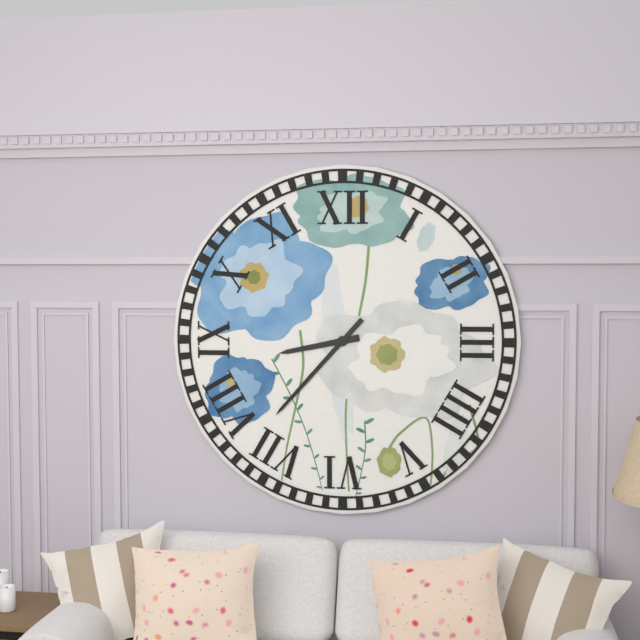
8:37
